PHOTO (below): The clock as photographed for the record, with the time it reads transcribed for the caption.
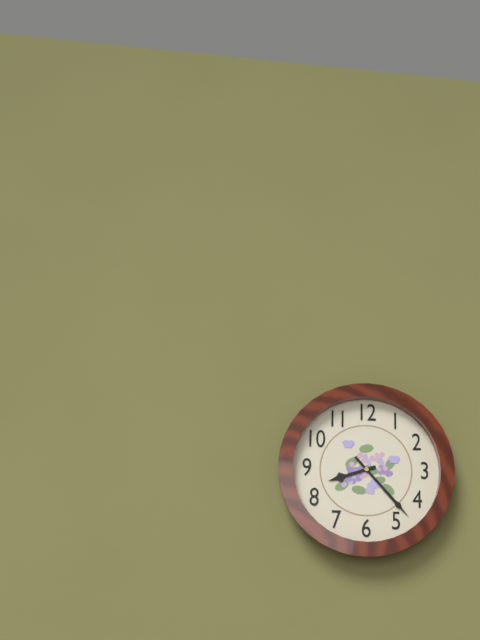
8:23
